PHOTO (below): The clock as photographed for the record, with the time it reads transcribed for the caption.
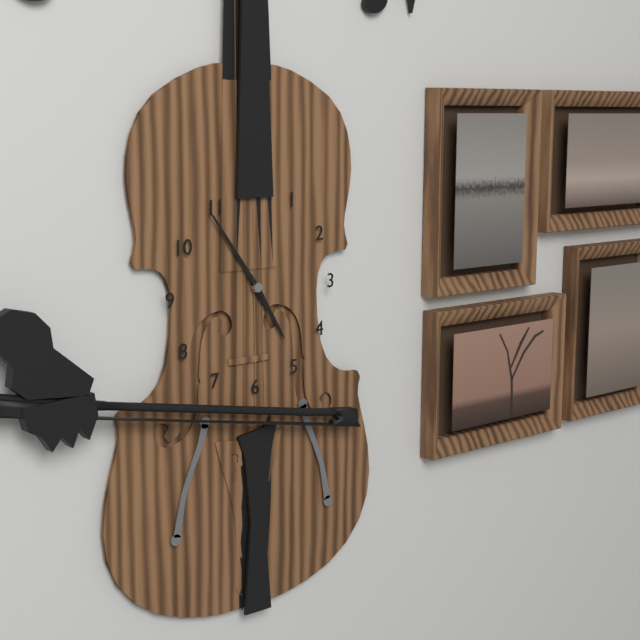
4:54
